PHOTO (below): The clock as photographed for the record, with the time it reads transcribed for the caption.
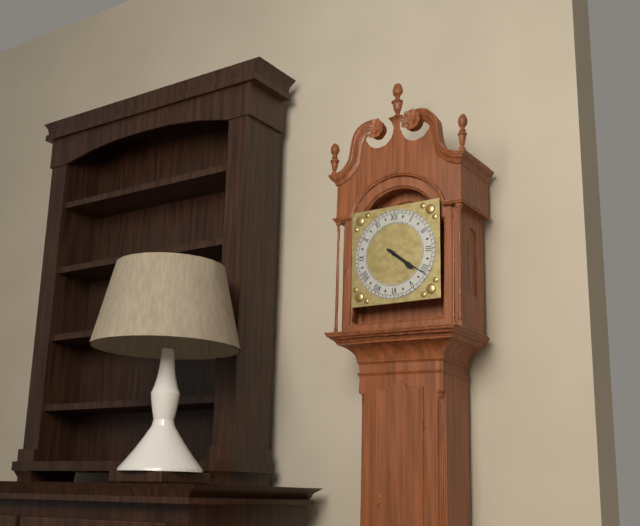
4:21
